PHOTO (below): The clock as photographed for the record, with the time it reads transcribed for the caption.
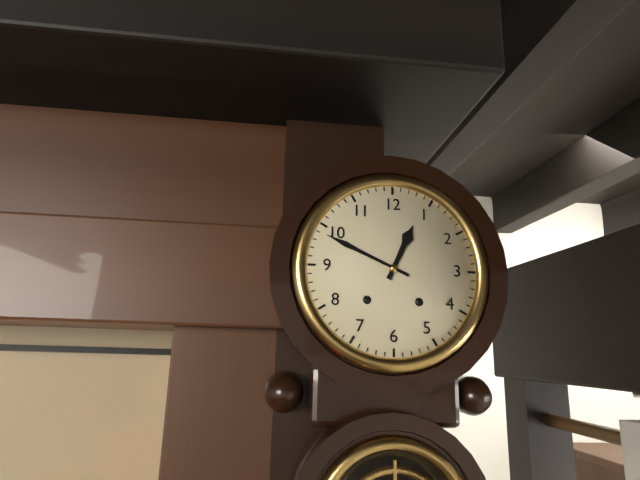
12:49
